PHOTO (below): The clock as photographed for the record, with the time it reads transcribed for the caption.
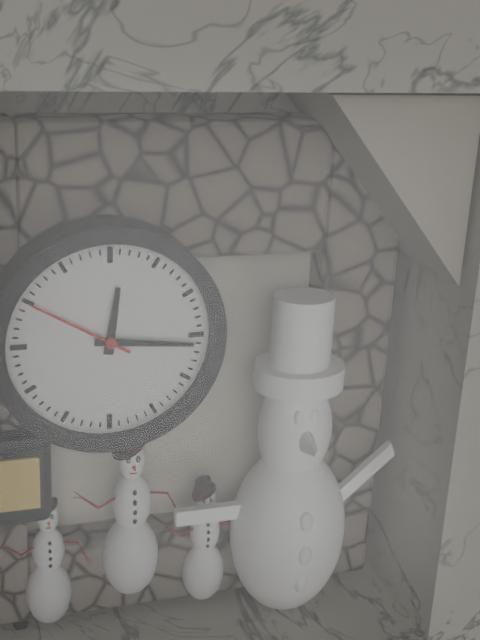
12:16:50
